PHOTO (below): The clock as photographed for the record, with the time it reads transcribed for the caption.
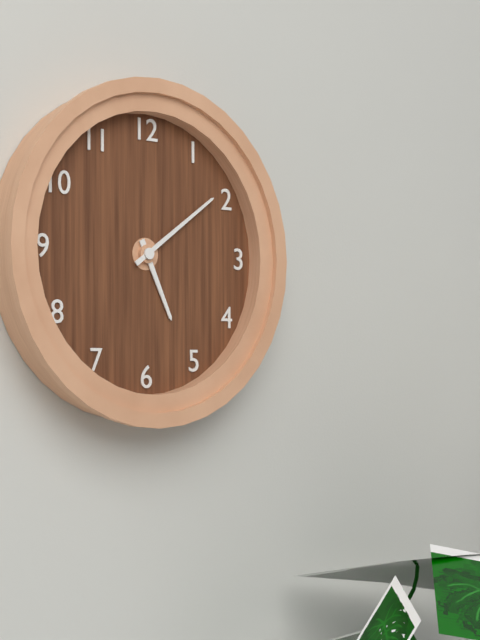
5:09
